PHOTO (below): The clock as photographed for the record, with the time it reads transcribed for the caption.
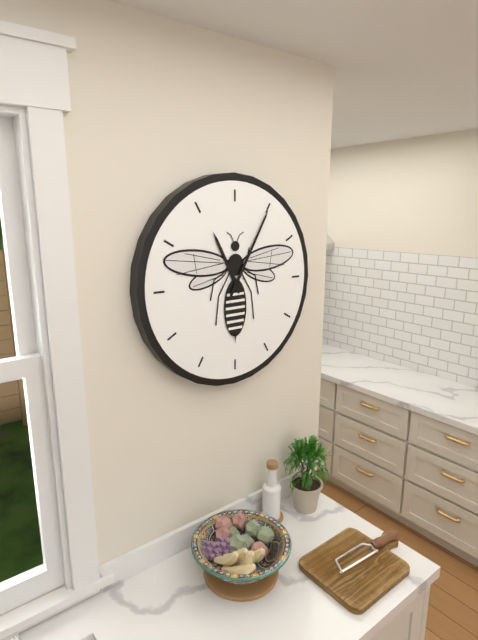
11:05
